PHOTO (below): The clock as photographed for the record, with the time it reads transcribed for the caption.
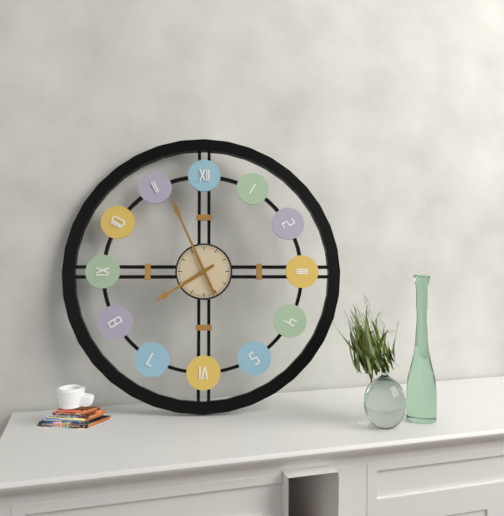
7:56
